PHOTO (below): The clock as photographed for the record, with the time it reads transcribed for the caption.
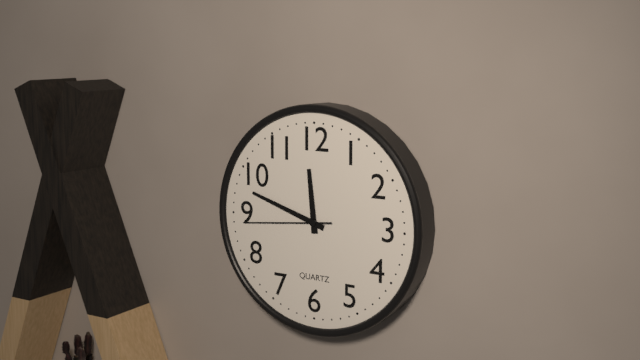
11:48:44
